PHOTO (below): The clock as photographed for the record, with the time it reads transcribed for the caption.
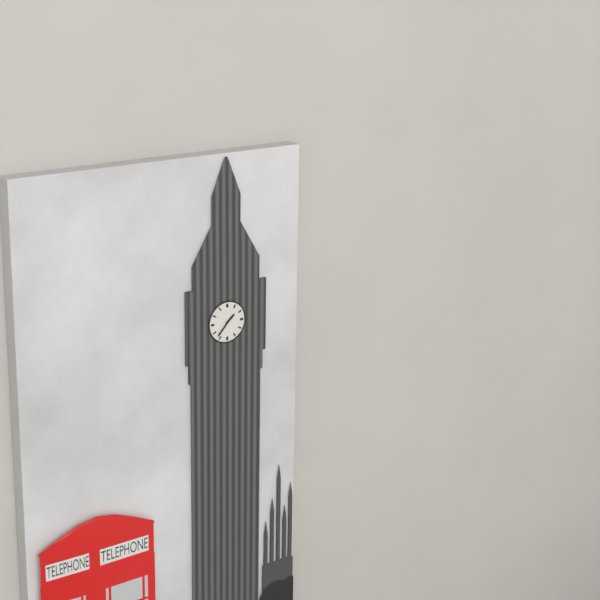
1:37
